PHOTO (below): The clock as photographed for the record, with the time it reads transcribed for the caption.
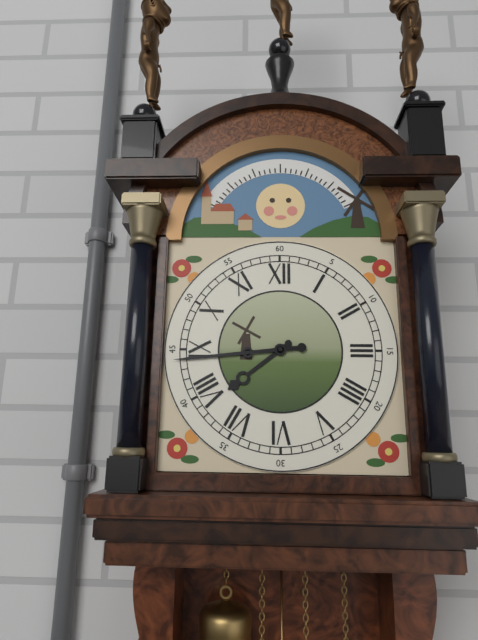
7:44
